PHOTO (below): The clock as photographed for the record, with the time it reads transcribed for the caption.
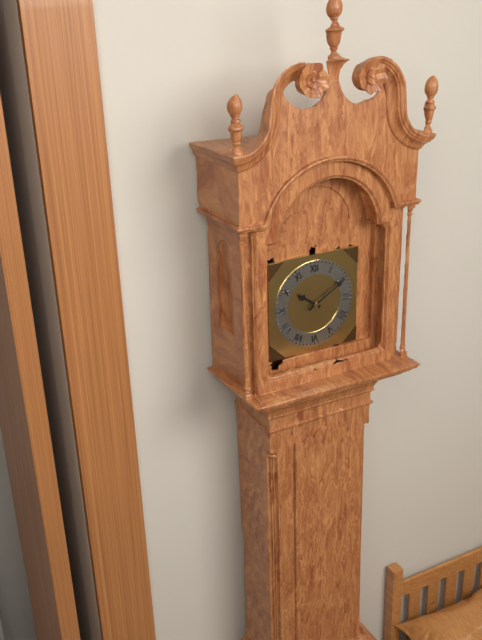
10:10
